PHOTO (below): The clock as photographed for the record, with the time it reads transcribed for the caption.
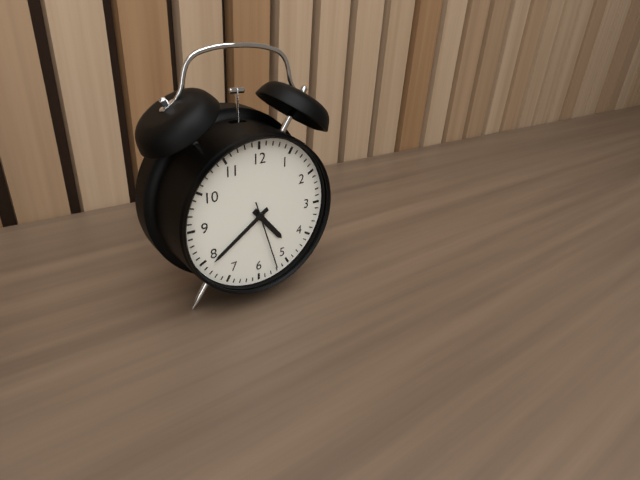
4:39:27
